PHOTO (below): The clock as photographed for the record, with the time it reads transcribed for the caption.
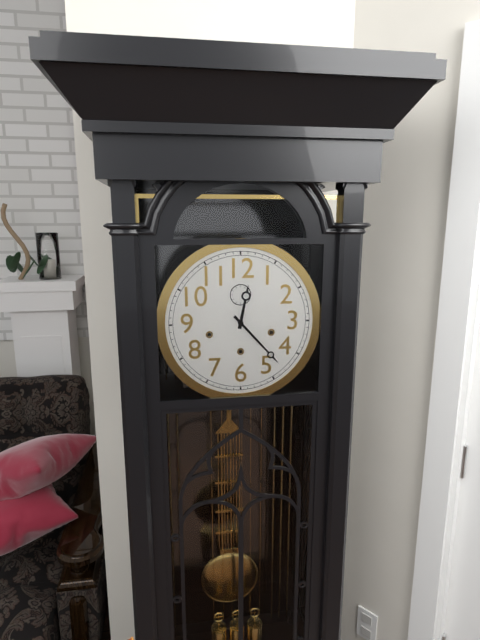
12:23
